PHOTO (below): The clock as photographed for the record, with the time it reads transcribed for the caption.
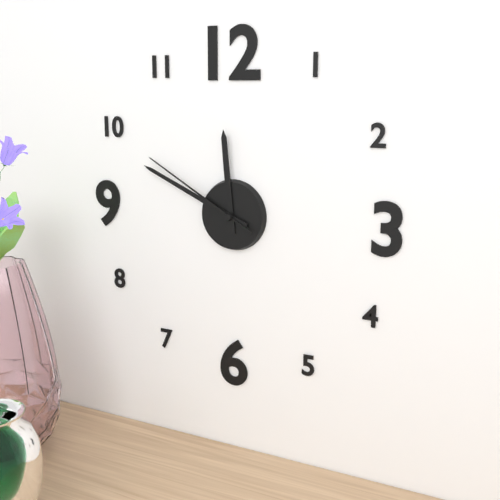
11:49:50
